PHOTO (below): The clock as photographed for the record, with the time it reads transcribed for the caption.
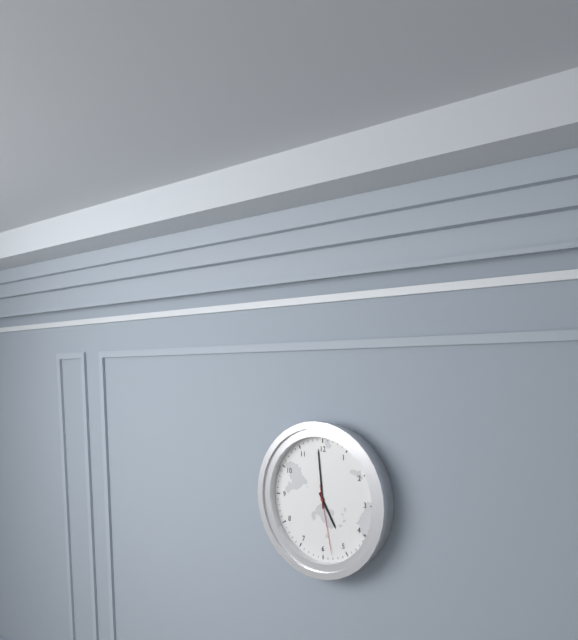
4:59:28
